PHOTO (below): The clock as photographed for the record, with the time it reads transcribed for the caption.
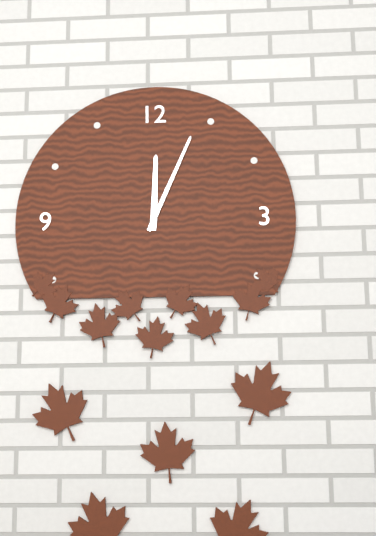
12:04
